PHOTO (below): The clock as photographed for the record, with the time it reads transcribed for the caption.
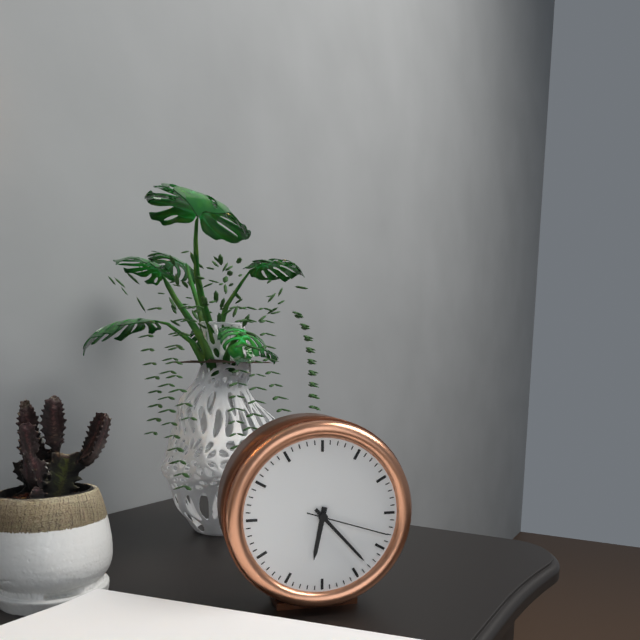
6:23:18
